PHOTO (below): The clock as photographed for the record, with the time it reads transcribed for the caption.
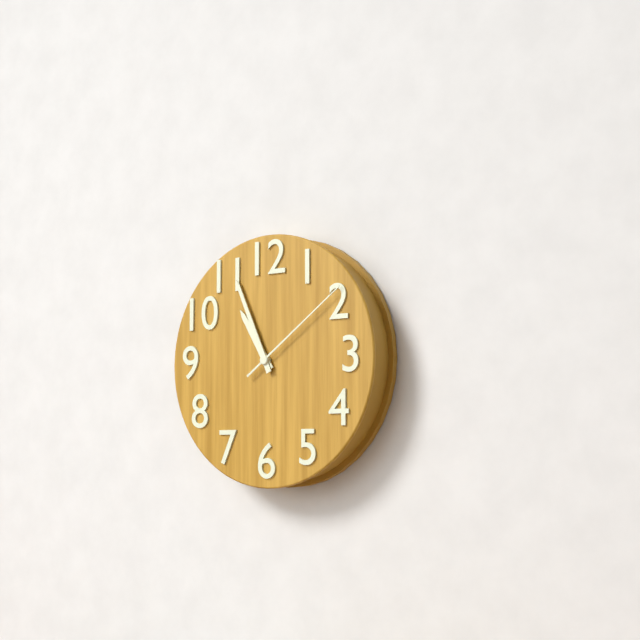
10:56:09
